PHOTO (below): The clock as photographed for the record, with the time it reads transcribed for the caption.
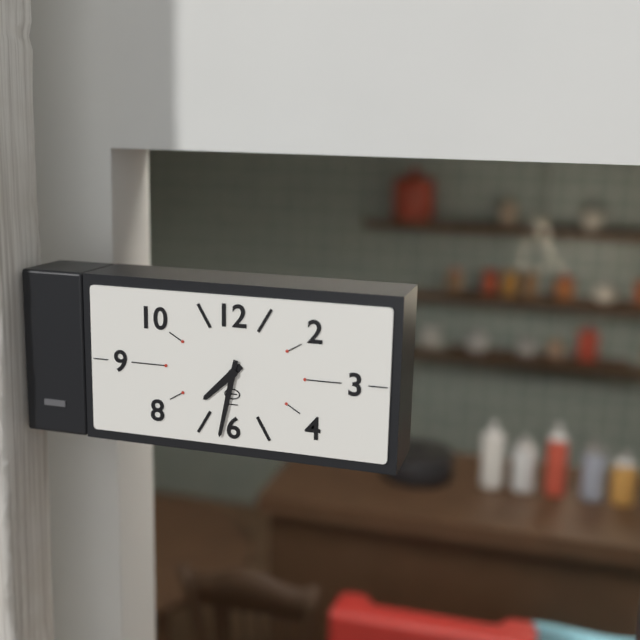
7:32
